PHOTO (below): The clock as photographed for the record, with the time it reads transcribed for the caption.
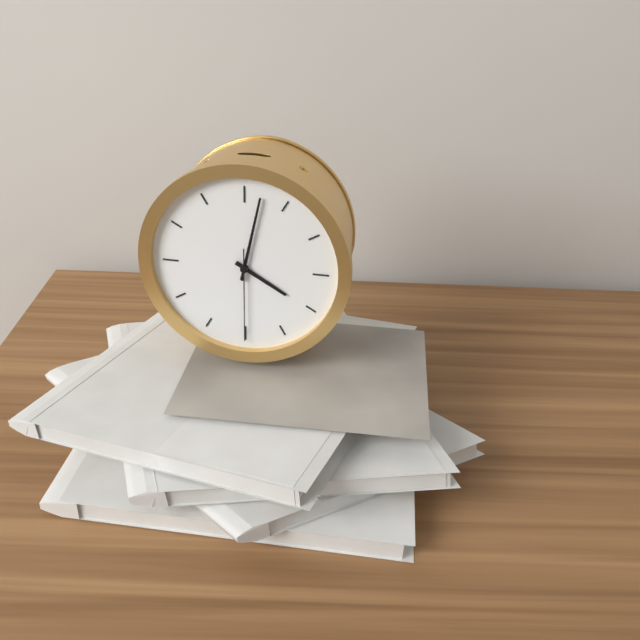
4:02:30
